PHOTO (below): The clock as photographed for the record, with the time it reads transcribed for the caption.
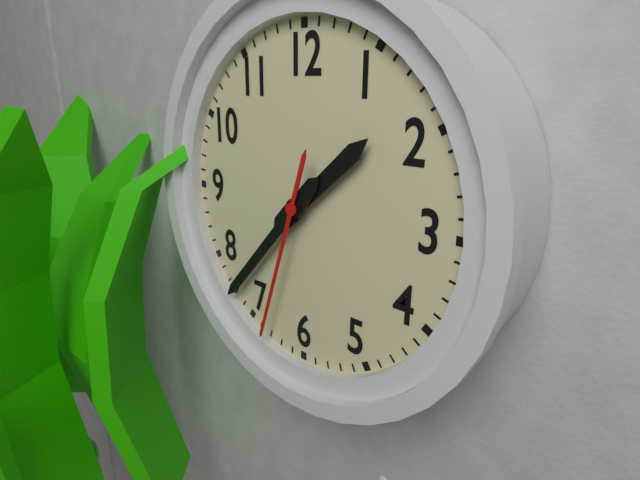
1:37:33
